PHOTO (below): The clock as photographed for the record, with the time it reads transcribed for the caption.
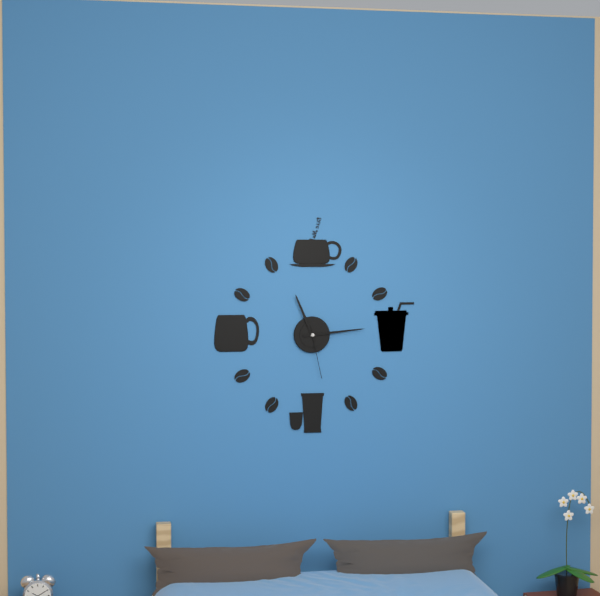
11:14:28
